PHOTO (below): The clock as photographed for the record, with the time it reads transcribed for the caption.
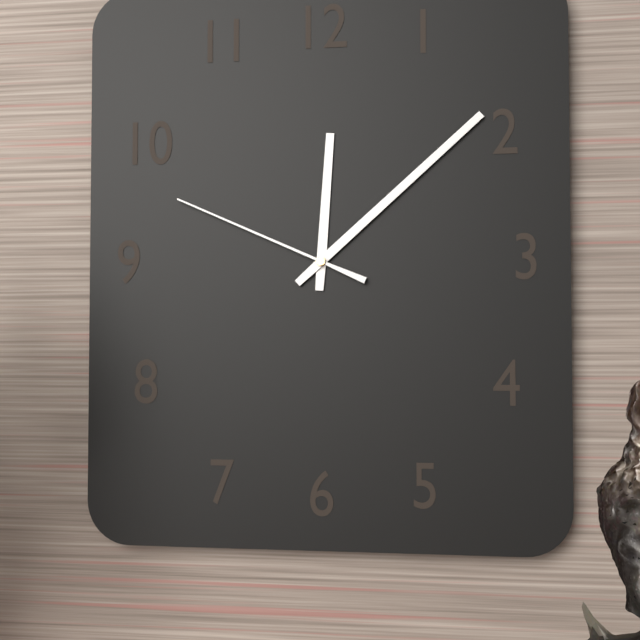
12:08:49
